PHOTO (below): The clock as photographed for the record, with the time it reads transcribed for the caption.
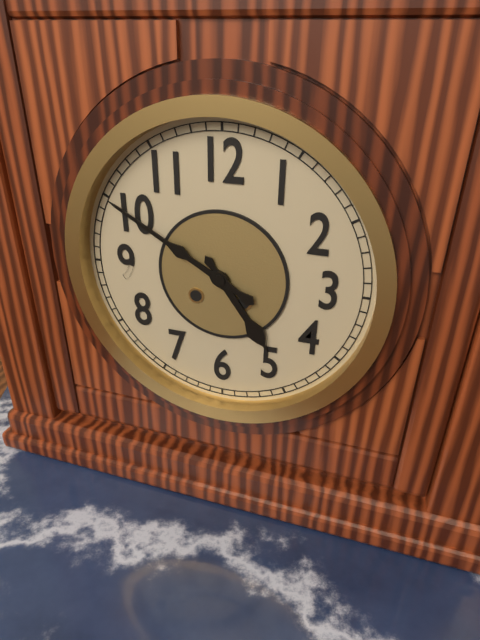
4:50
